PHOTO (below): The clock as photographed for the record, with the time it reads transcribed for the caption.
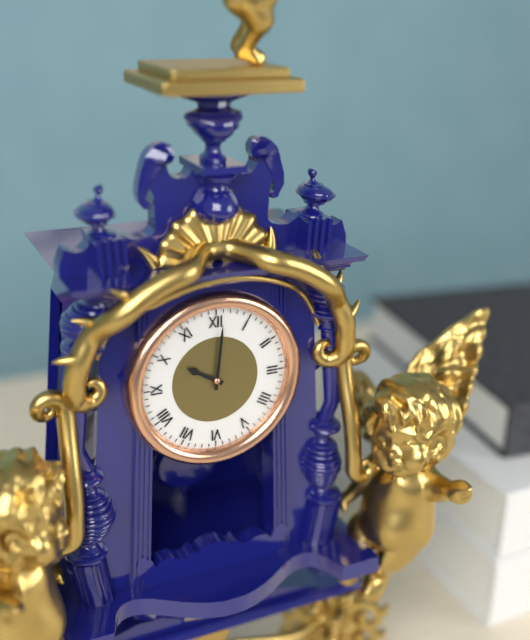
10:01
